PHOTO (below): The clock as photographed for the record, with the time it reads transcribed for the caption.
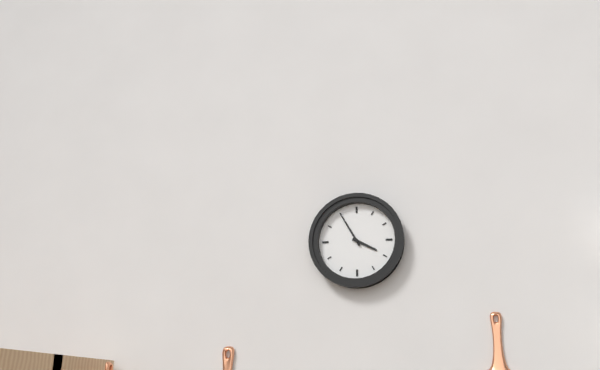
3:55
